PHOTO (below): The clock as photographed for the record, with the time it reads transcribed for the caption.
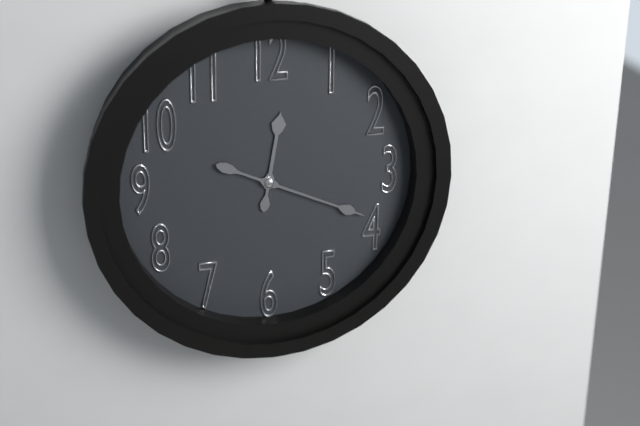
12:19
